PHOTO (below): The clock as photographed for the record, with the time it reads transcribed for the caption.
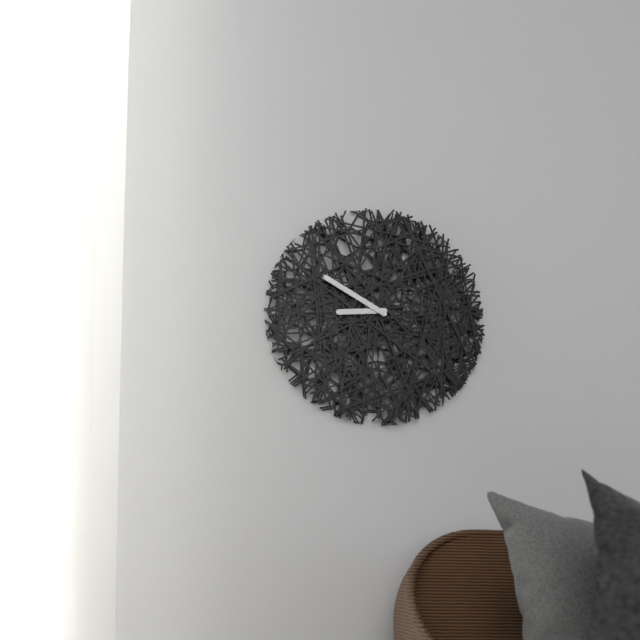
8:50
